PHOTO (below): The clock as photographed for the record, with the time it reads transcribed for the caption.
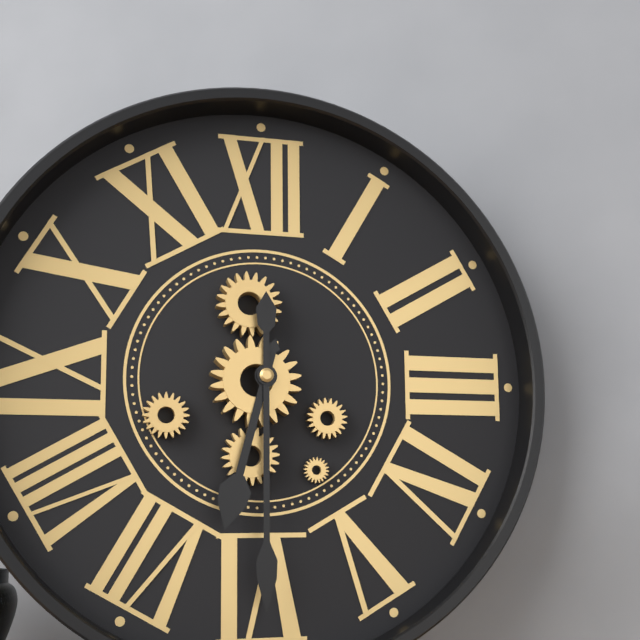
6:30
